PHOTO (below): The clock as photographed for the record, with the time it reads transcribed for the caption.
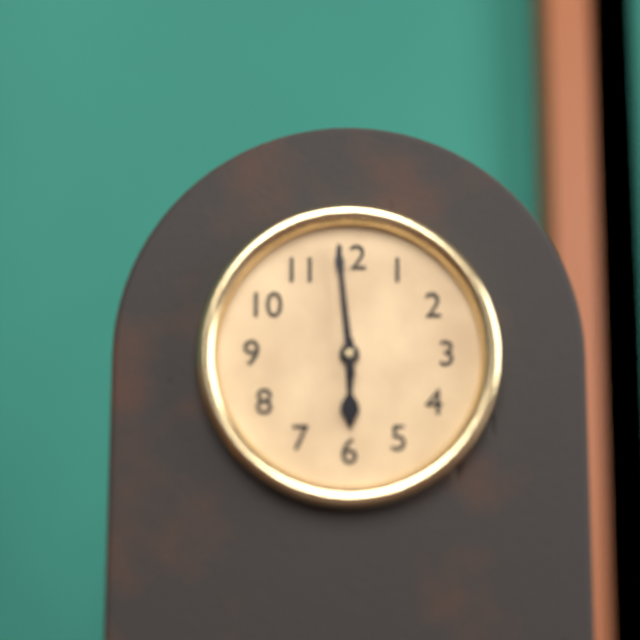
5:59
